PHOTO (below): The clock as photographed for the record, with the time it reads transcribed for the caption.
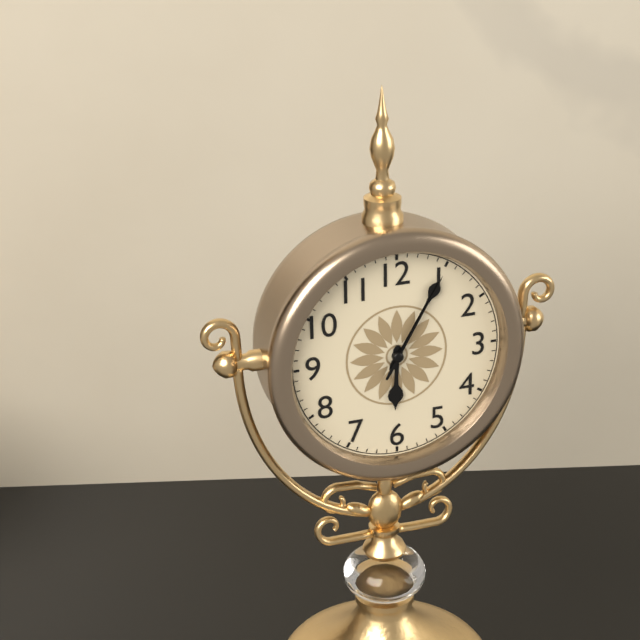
6:05:05
